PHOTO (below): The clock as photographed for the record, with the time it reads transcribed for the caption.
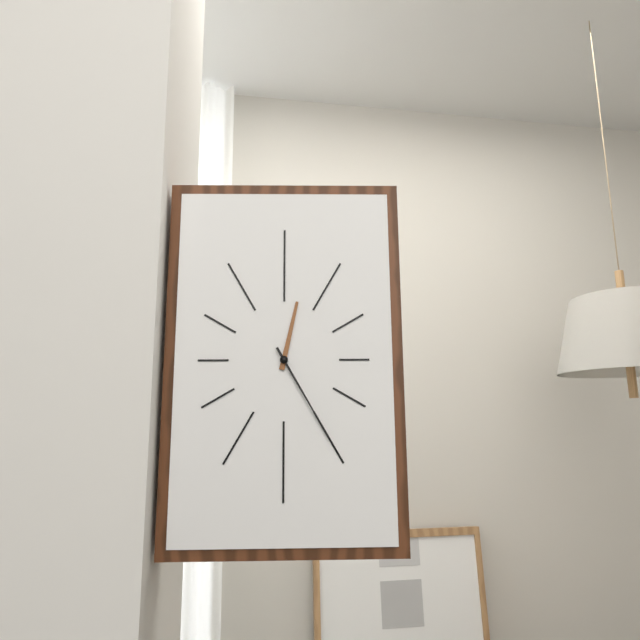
12:25
